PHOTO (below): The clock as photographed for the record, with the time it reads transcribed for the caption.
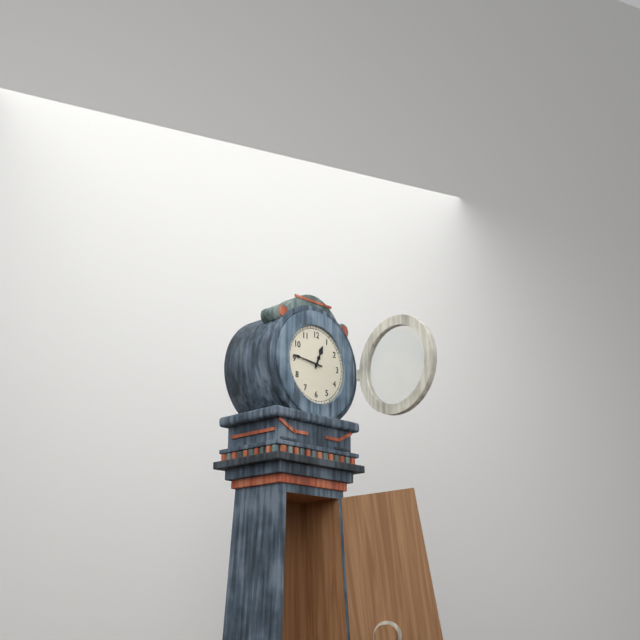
12:46
